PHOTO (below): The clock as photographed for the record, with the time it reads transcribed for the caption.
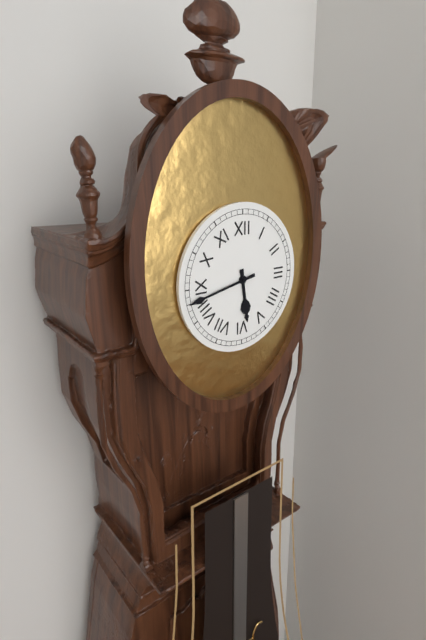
5:43
